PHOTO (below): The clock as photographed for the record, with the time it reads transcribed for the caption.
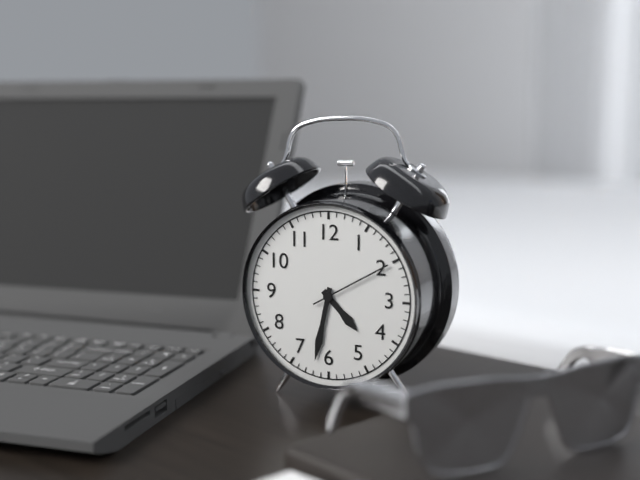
4:32:10
